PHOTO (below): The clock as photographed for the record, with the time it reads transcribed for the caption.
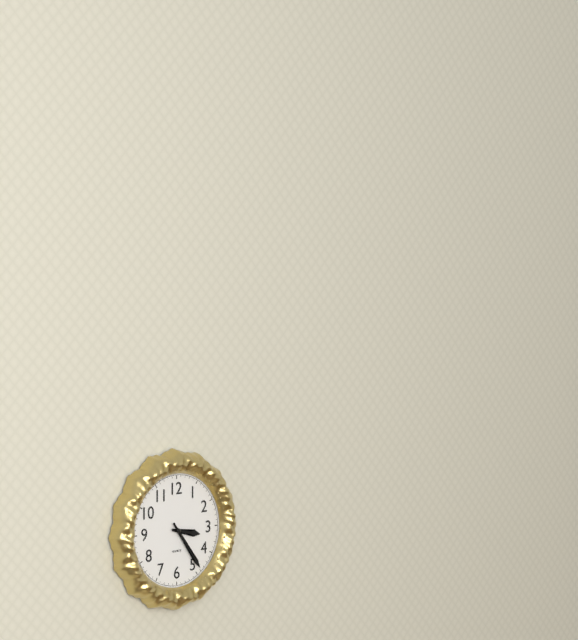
3:24
